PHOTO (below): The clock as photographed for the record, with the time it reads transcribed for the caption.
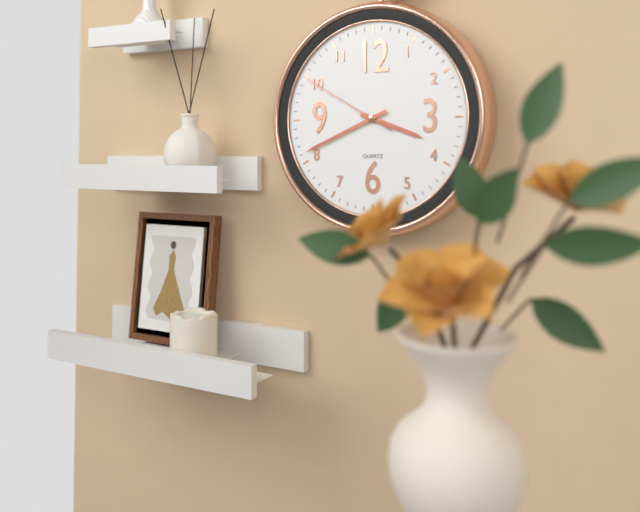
3:41:50
